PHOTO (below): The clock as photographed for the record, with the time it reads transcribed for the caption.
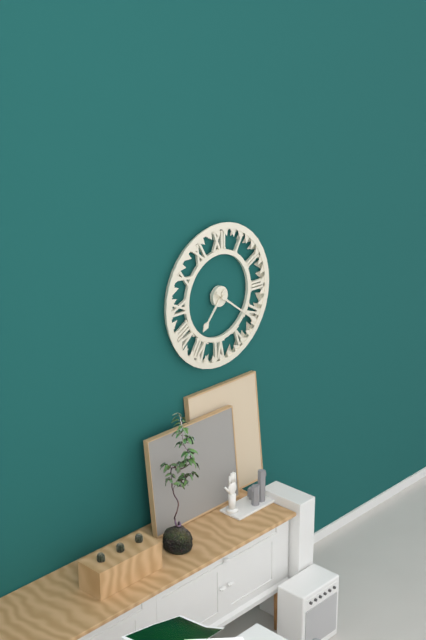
7:21
